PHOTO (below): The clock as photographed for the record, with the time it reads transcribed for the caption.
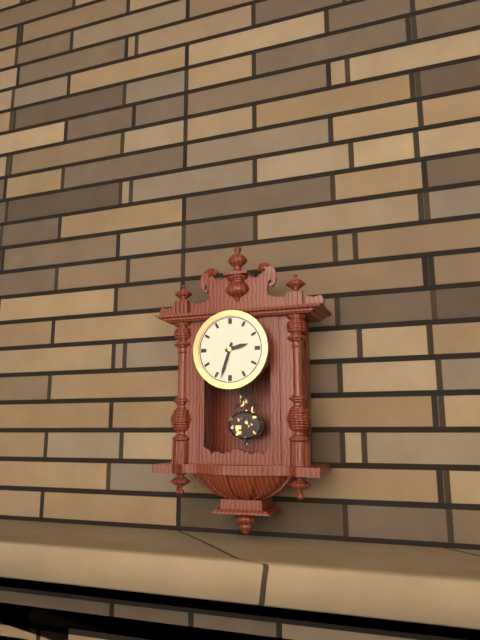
2:33
